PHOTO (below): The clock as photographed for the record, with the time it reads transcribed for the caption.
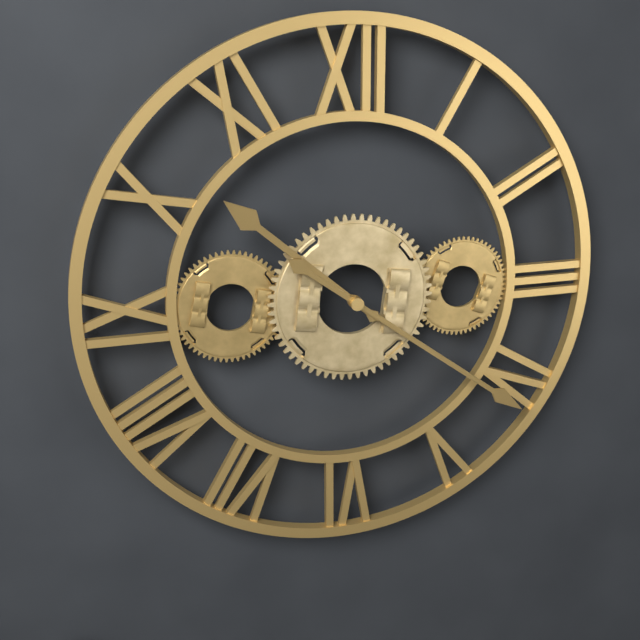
10:21
